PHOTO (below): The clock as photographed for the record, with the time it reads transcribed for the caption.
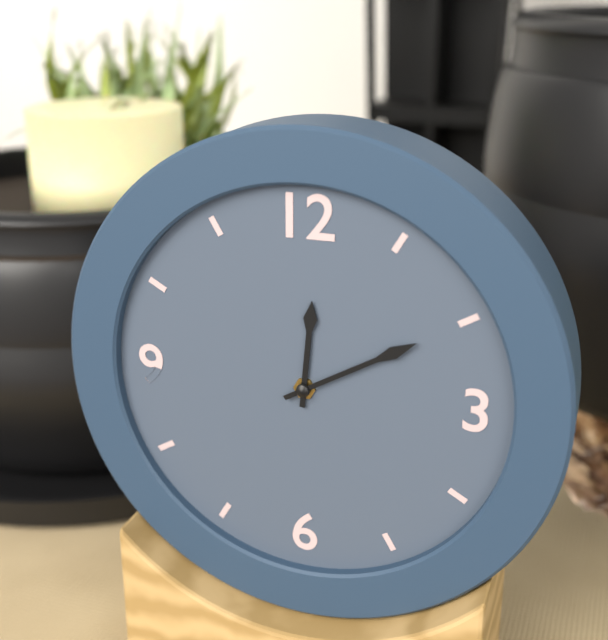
12:10
